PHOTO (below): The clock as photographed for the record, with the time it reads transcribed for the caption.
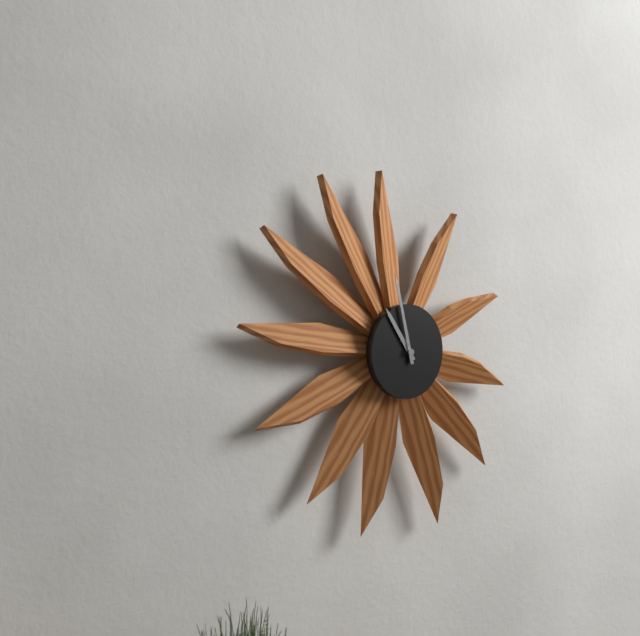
10:58
